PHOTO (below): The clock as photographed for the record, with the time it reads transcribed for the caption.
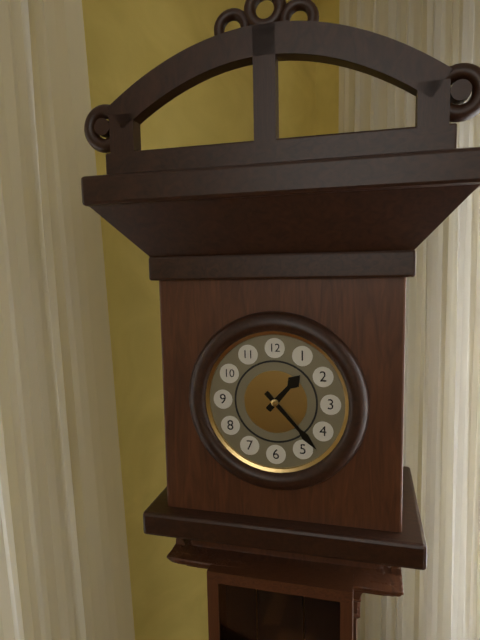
1:23
